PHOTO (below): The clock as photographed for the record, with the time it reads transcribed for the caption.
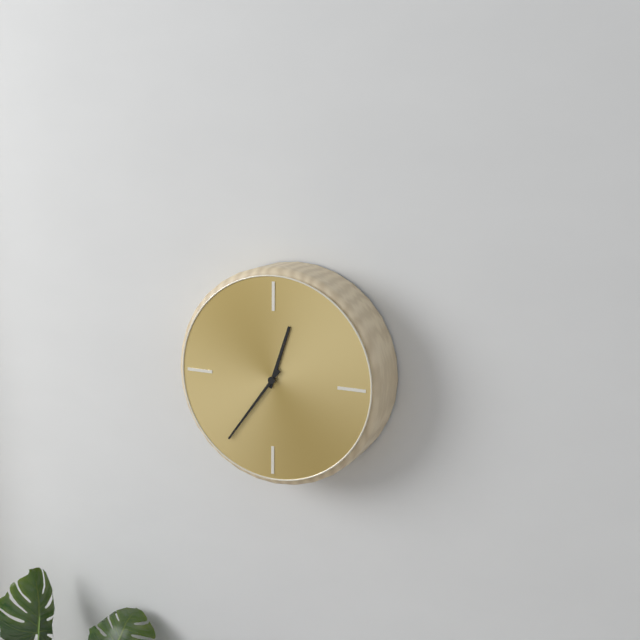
12:36
